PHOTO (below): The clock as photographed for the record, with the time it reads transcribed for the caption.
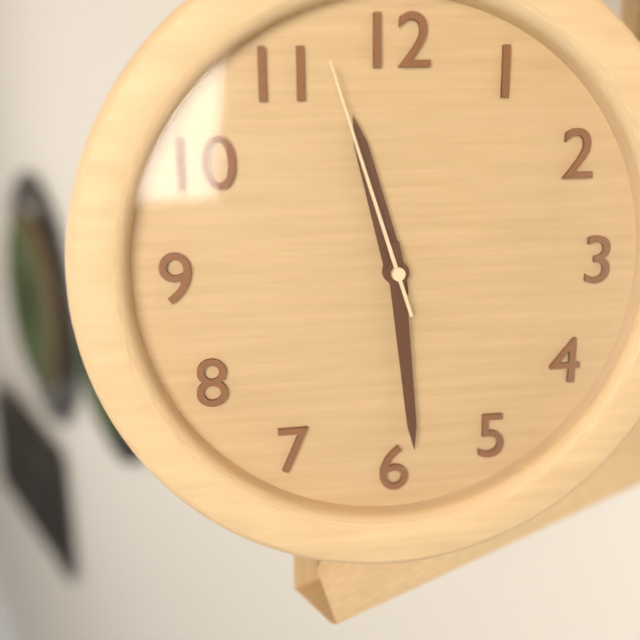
11:29:57
